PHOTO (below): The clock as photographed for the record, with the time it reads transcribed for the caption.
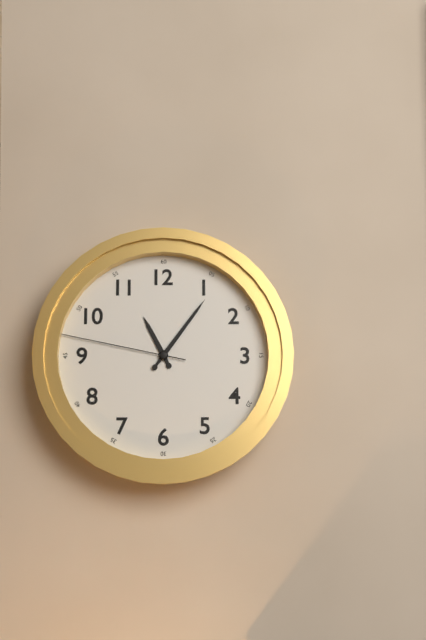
11:06:47
